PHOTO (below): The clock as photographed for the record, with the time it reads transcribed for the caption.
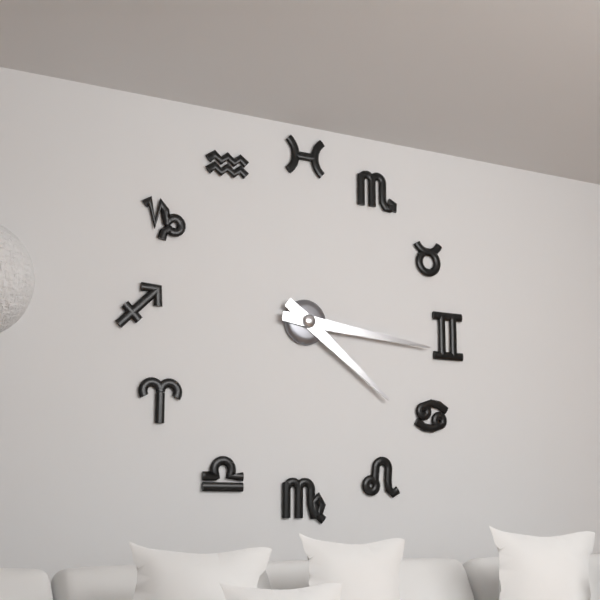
4:16
